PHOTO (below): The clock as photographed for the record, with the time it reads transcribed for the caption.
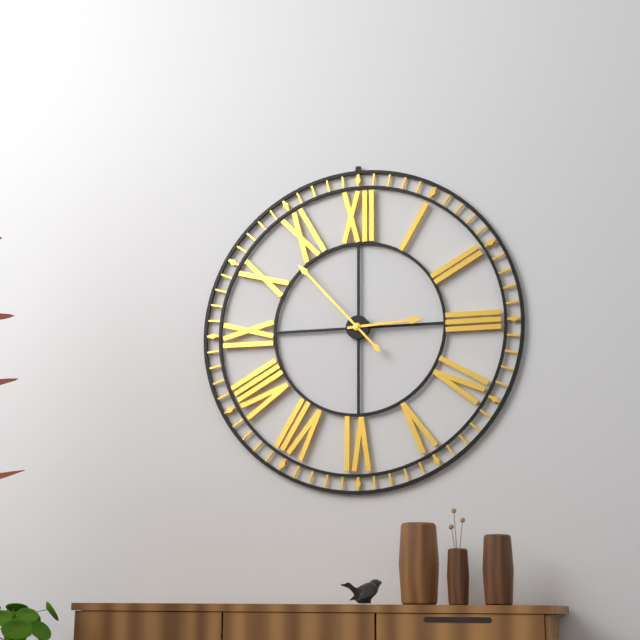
2:53
